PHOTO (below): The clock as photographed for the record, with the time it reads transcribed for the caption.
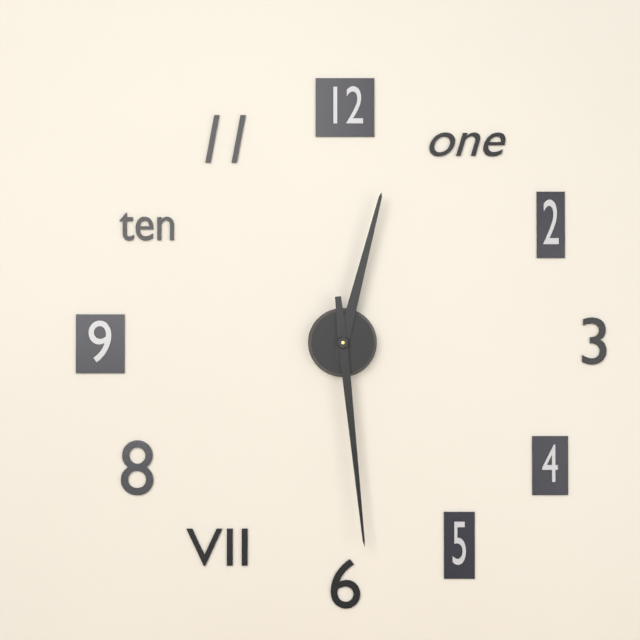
12:29
